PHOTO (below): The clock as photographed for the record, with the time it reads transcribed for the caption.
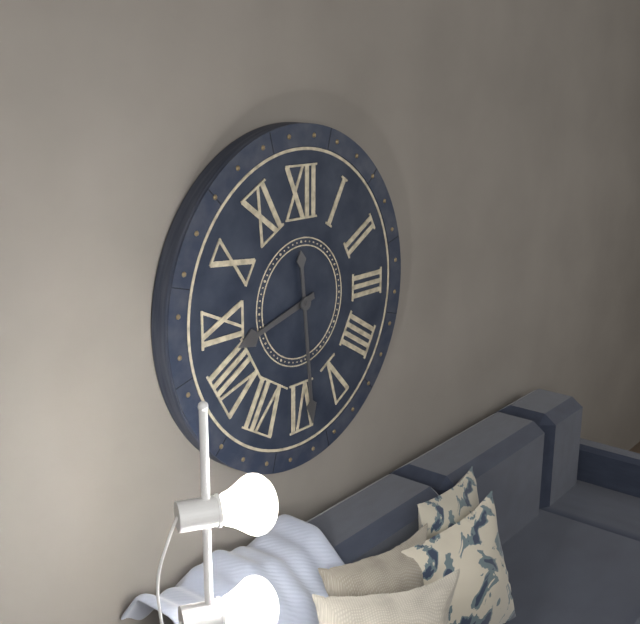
8:29
